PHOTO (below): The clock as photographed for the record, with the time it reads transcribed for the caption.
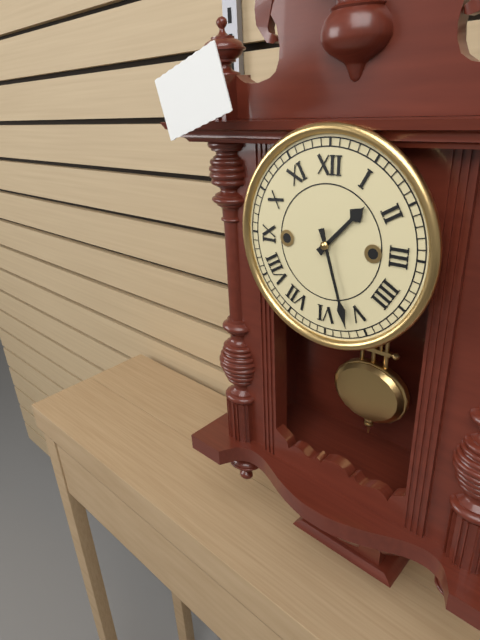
1:27
